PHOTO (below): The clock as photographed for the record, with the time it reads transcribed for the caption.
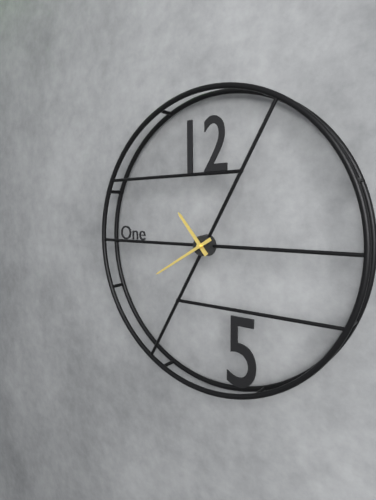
10:40
